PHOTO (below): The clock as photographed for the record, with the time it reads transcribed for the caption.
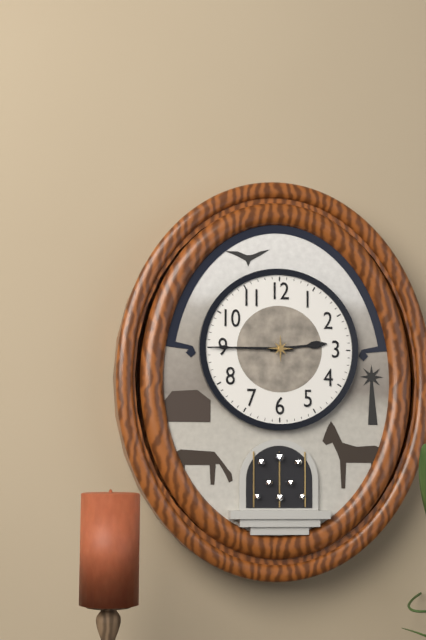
2:45
